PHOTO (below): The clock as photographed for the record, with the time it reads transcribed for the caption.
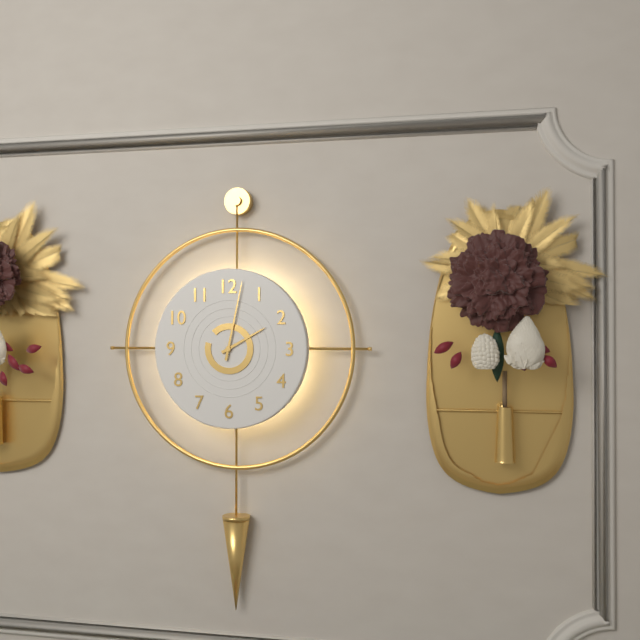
2:02
